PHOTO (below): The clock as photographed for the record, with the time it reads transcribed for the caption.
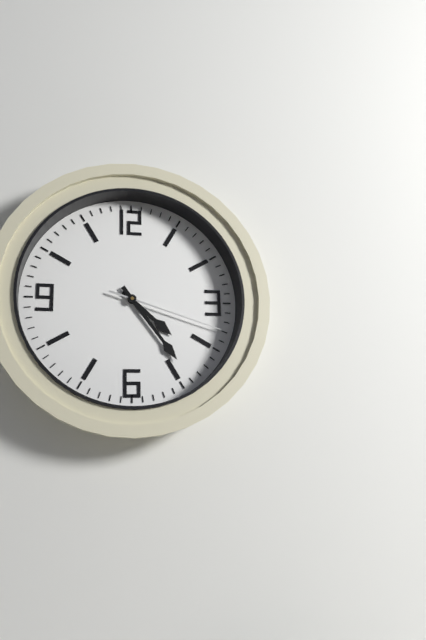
4:24:18
